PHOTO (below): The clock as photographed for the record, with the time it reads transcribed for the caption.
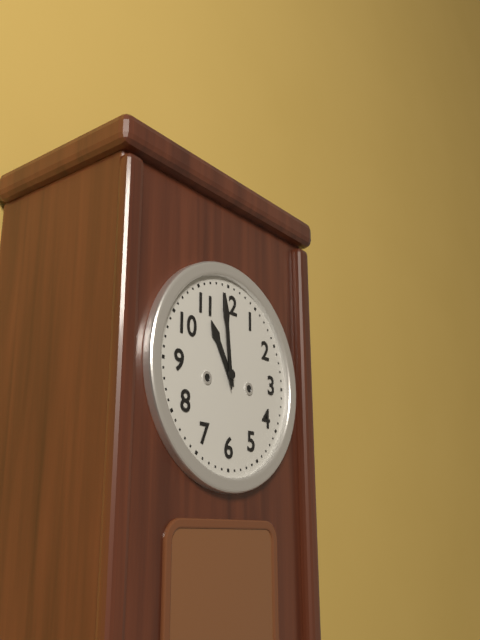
10:59
